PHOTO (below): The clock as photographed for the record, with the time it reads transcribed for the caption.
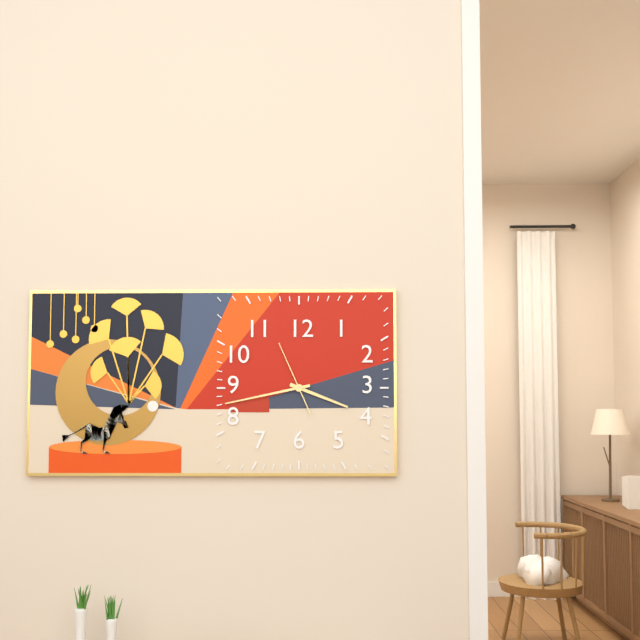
3:43:56
